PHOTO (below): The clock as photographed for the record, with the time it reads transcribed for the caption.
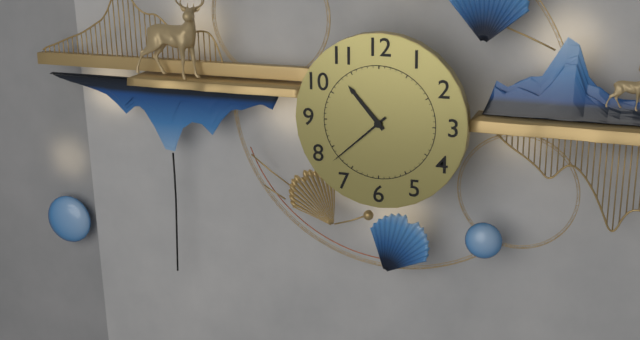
10:38
